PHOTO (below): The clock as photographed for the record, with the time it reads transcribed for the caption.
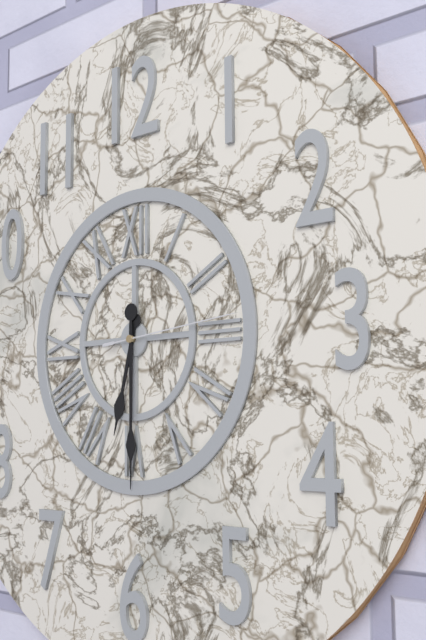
6:30:14
